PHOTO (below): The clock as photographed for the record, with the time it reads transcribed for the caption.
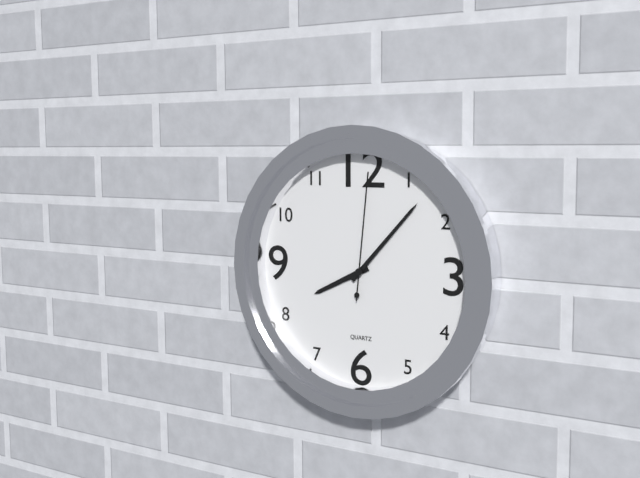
8:07:01
